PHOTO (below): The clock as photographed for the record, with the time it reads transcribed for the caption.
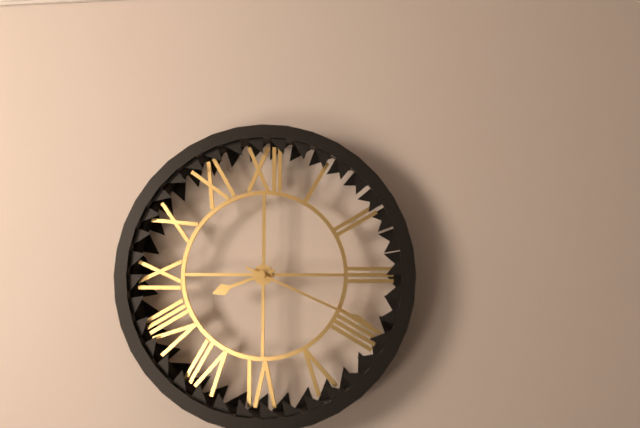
8:19
